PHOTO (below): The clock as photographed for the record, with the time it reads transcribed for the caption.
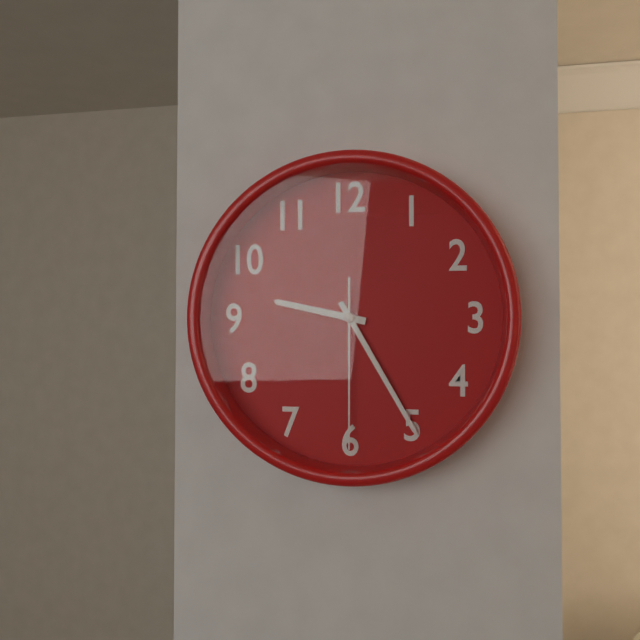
9:25:30
